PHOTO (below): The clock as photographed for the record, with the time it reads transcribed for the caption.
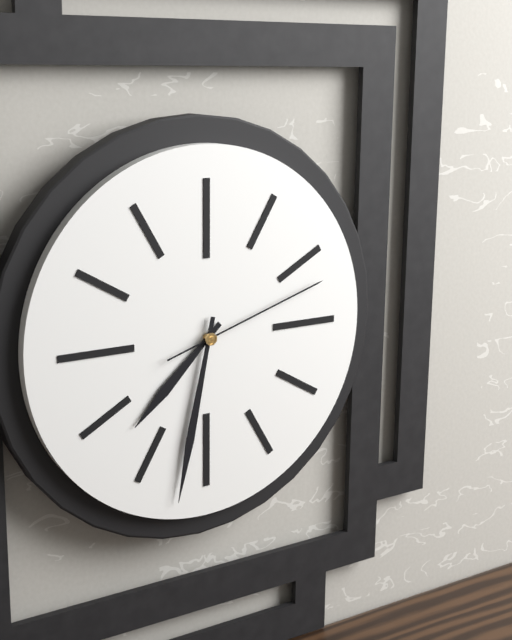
7:32:12
